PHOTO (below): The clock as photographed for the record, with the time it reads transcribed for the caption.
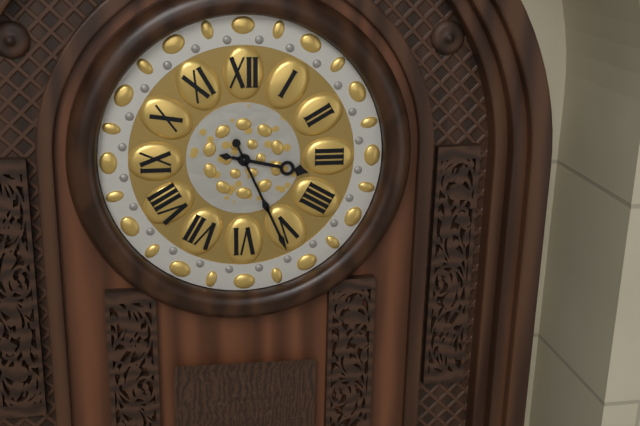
3:26
